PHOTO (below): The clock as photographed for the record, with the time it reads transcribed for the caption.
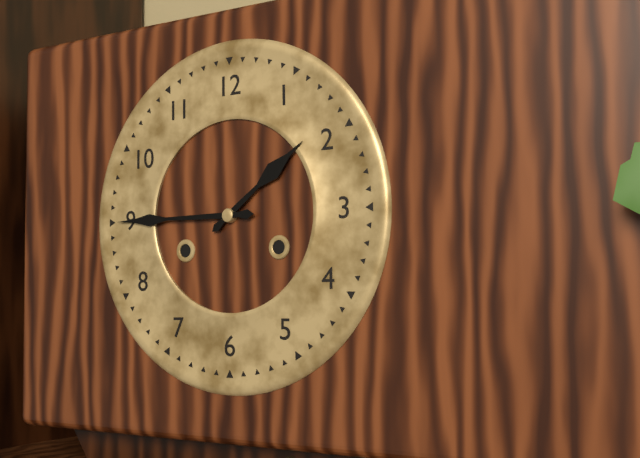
1:45
